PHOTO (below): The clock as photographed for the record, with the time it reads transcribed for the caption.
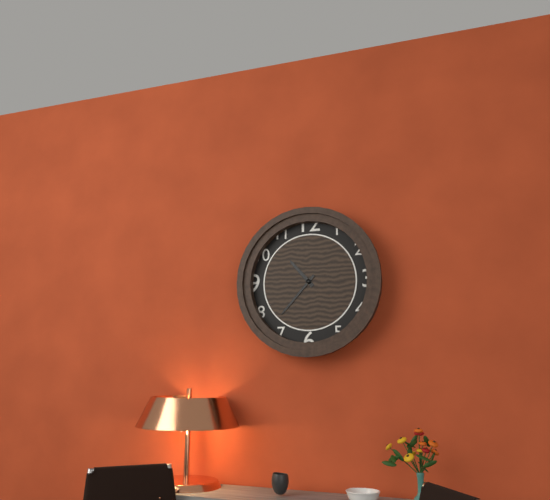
10:37
